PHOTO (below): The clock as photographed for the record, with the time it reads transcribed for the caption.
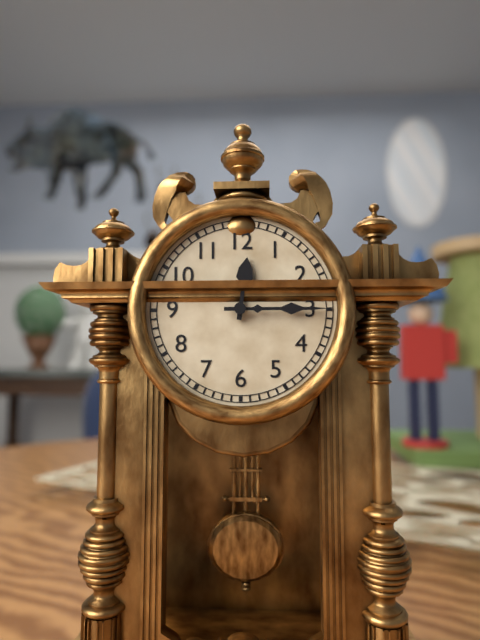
12:15
